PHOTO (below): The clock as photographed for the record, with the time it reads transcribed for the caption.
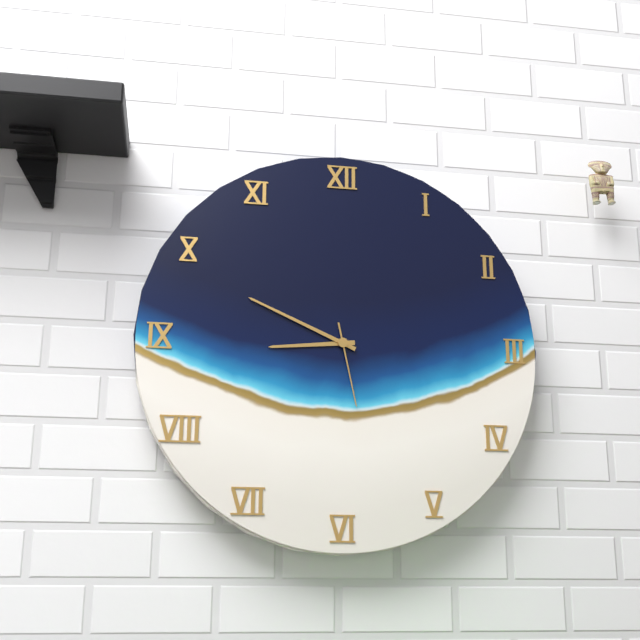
8:49:28
